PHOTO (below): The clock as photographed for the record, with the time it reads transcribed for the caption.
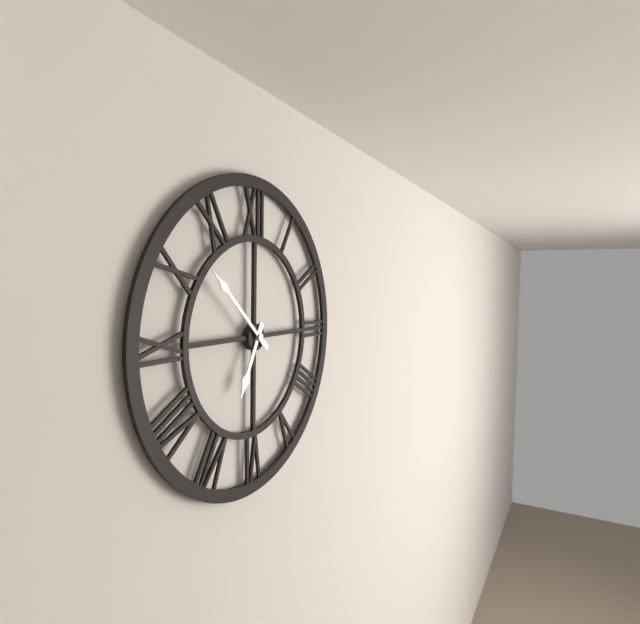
6:52
